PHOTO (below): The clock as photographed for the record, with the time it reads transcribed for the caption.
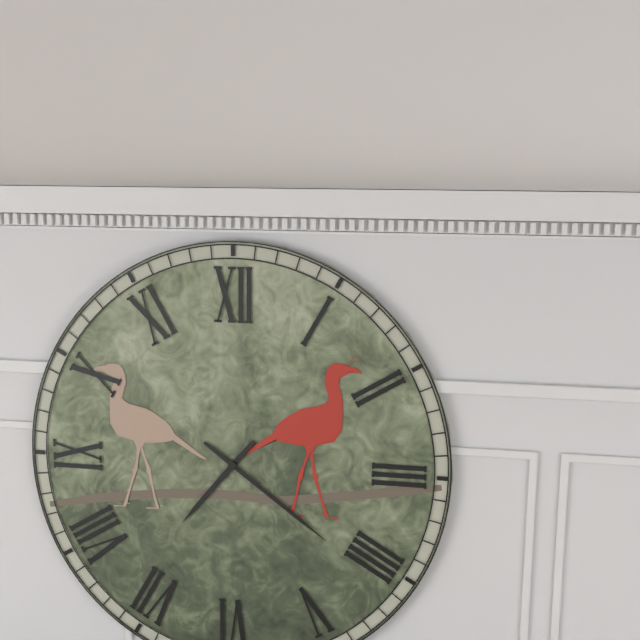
7:21
